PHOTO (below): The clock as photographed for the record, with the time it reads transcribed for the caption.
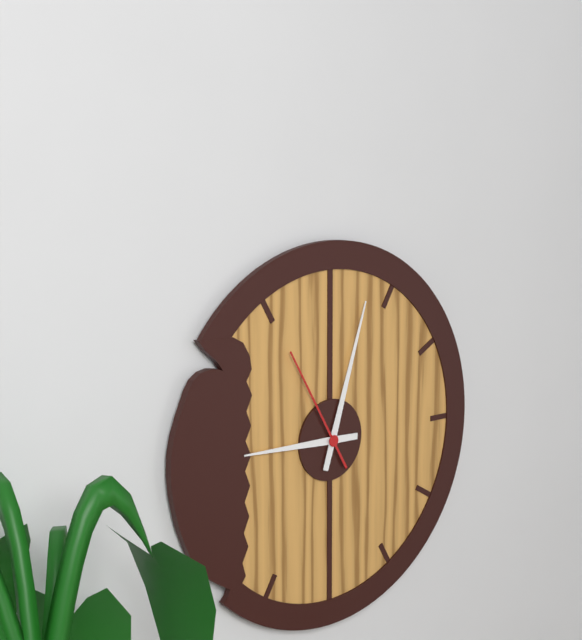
9:03:55
